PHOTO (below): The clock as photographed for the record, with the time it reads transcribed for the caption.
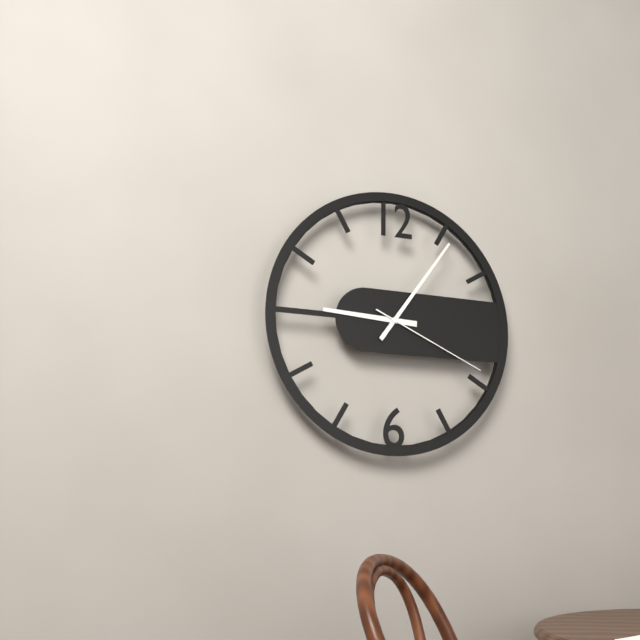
9:06:19
